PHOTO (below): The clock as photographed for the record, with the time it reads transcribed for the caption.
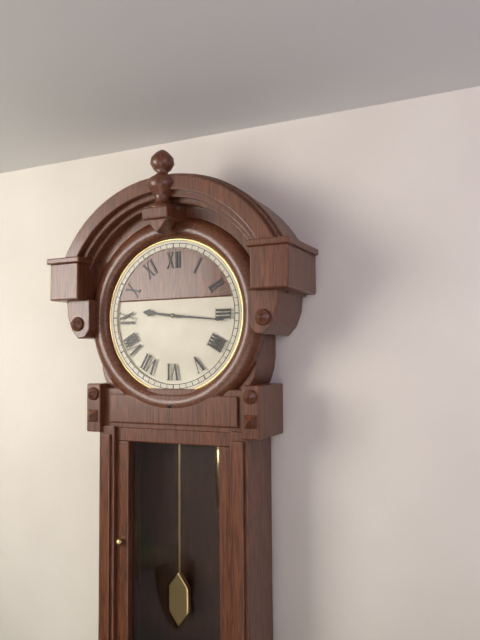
9:16
